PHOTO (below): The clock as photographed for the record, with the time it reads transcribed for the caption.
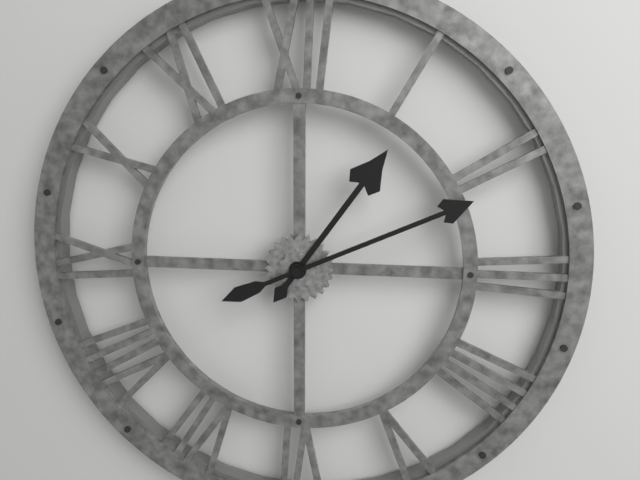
1:11
